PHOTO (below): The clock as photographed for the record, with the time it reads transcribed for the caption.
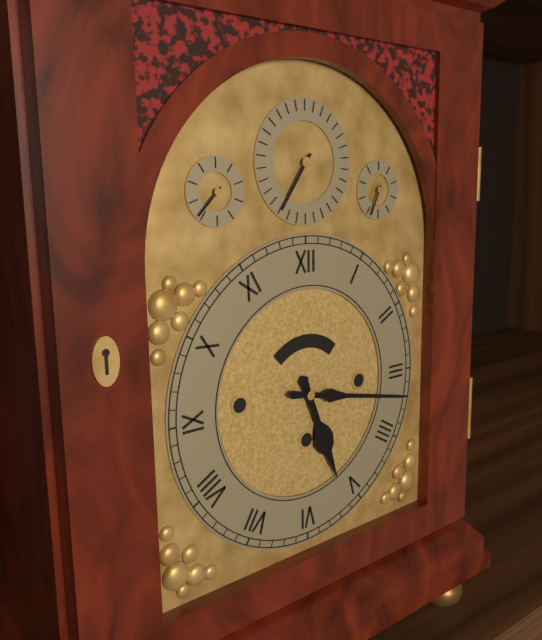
5:17
